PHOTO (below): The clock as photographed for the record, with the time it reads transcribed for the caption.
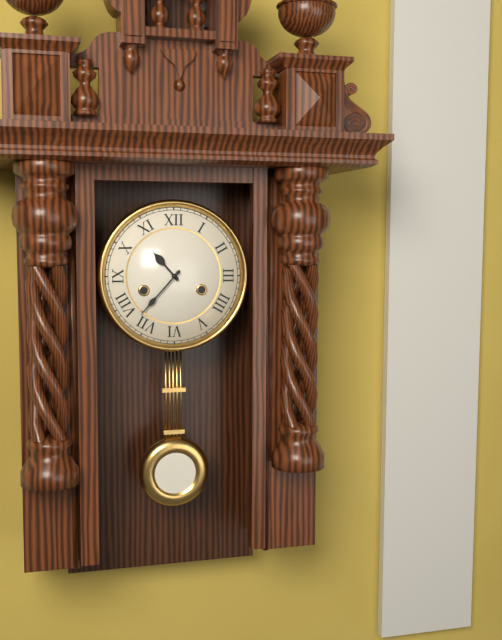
10:37
